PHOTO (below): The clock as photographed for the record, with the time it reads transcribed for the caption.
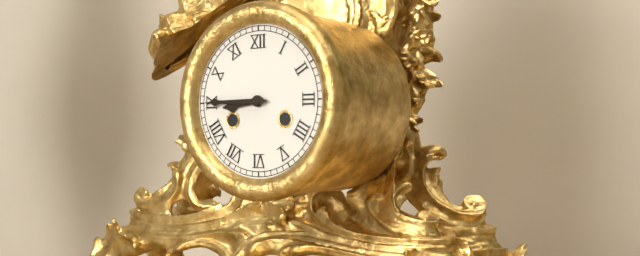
8:45
